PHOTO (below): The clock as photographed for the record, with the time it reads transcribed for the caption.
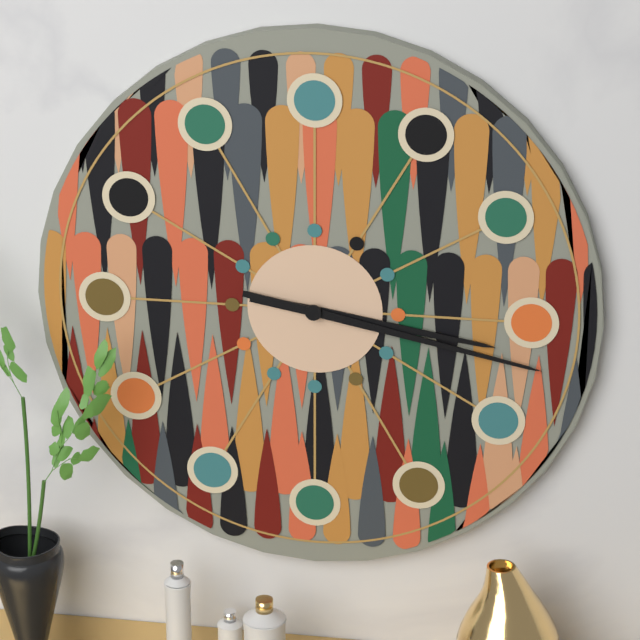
3:17
